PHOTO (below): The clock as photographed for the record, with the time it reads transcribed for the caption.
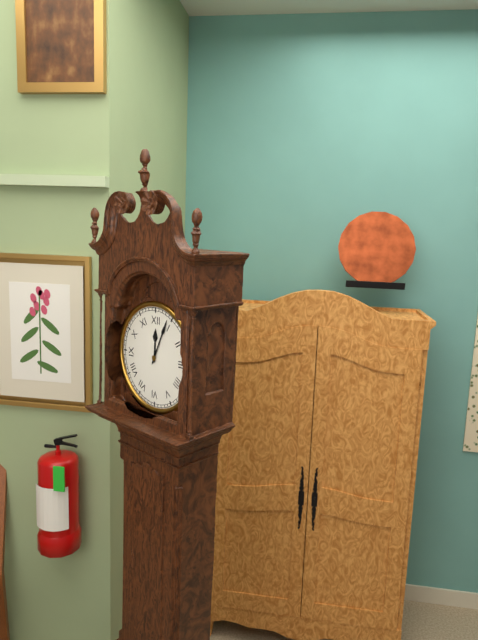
12:04
